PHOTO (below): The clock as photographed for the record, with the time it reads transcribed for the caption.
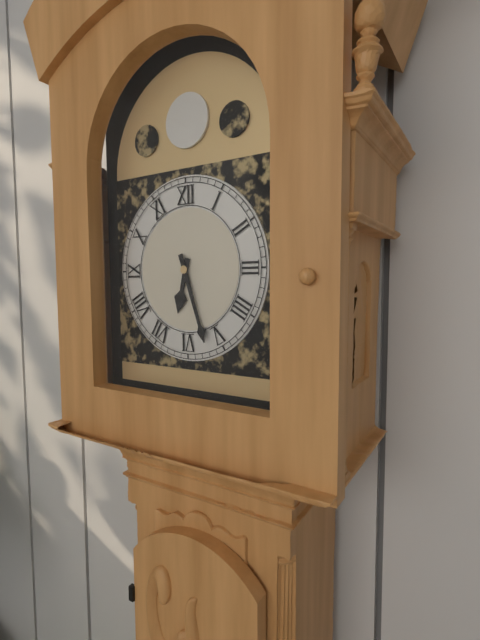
6:27
